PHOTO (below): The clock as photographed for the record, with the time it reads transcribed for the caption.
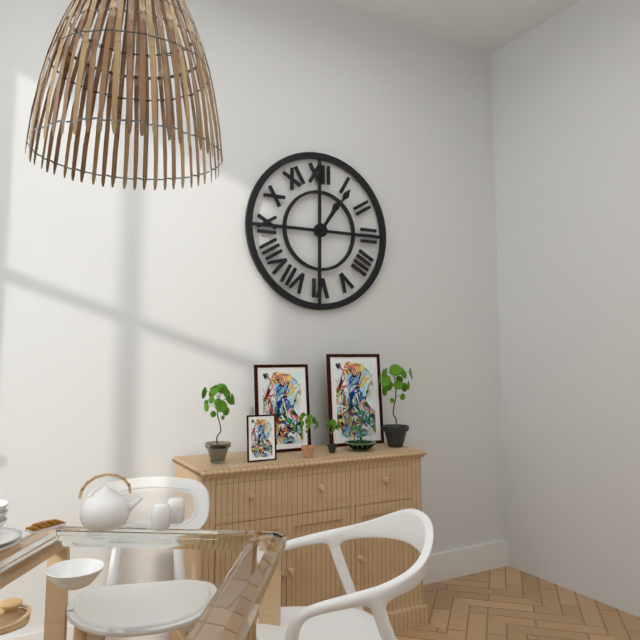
1:06
